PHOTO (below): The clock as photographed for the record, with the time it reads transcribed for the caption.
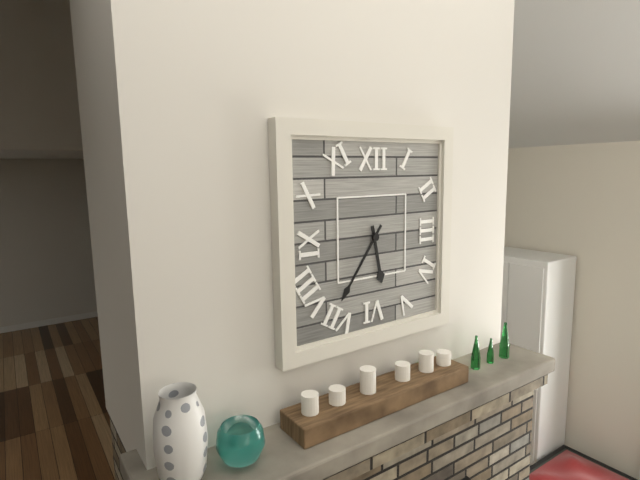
5:36
